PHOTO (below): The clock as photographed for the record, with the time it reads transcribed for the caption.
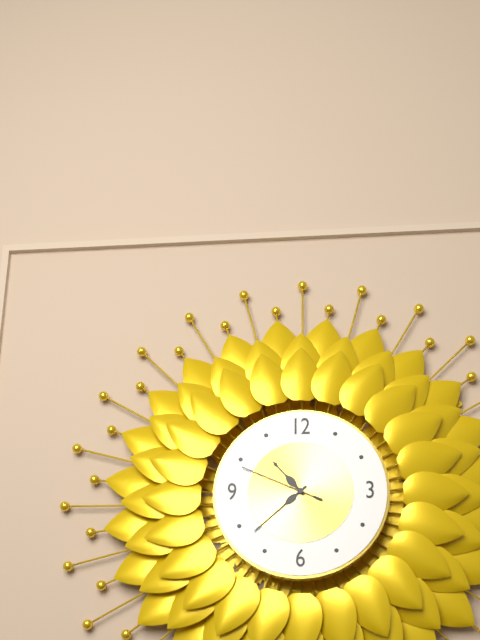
10:38:49
